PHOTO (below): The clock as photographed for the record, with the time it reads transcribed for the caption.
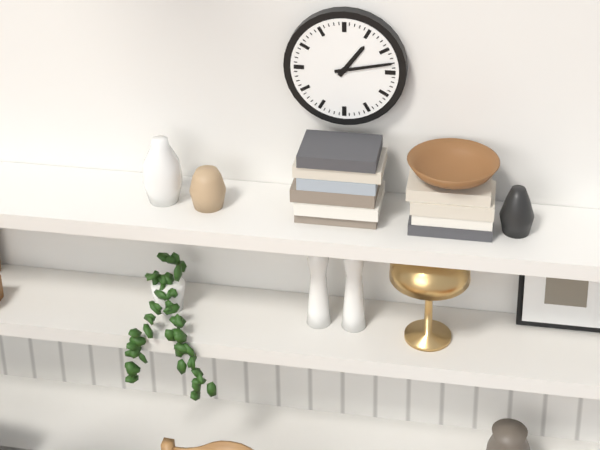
1:13
